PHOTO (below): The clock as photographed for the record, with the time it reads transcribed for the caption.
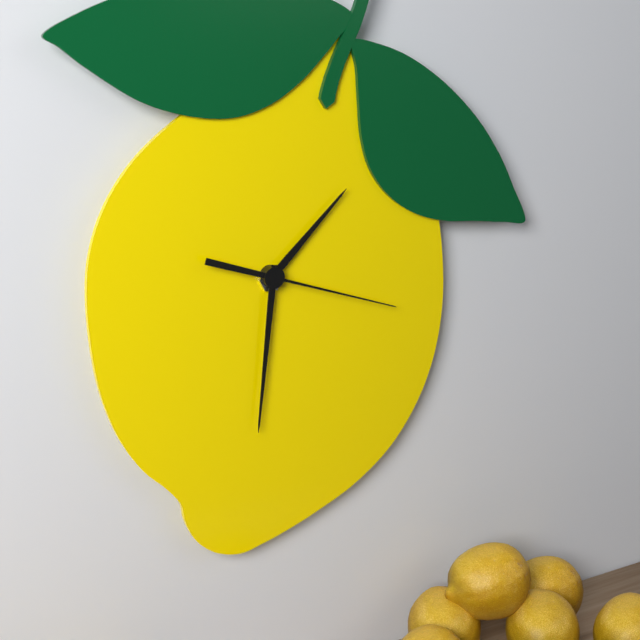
1:31:18
